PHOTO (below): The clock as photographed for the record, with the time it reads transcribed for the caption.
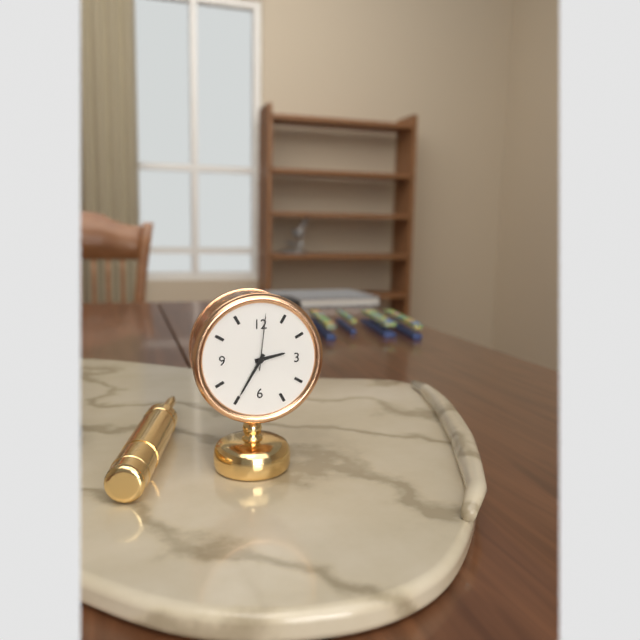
2:35:01
